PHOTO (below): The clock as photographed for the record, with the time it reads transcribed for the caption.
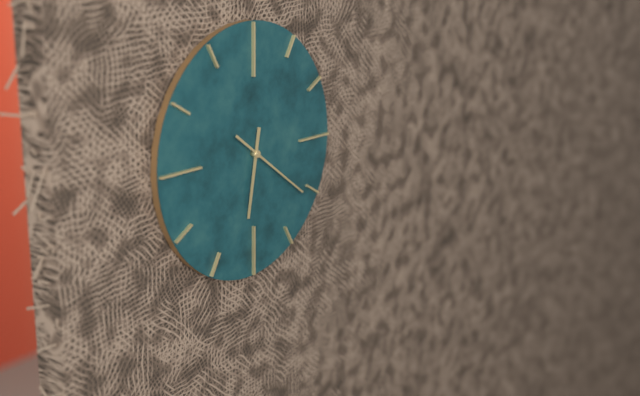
6:21
